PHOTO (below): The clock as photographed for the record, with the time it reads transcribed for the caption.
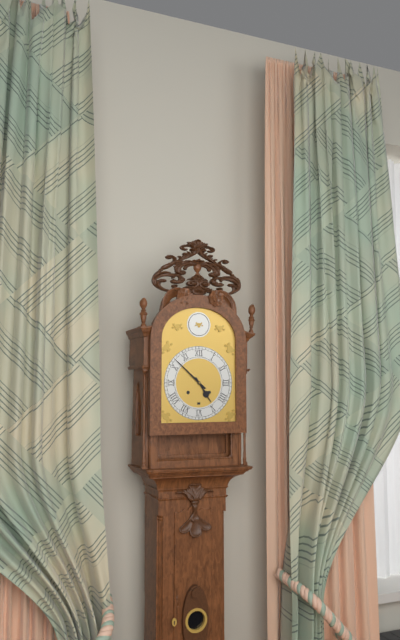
4:52
